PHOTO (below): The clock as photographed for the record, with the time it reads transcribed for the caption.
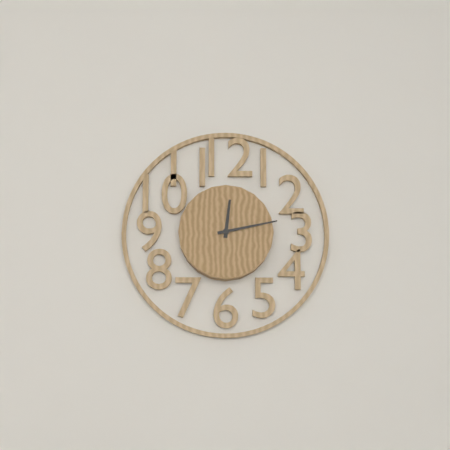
12:13
